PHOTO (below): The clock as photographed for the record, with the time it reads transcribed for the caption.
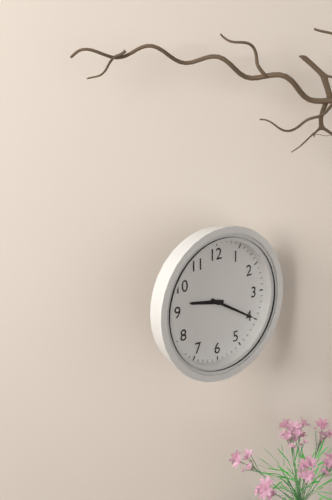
9:20
